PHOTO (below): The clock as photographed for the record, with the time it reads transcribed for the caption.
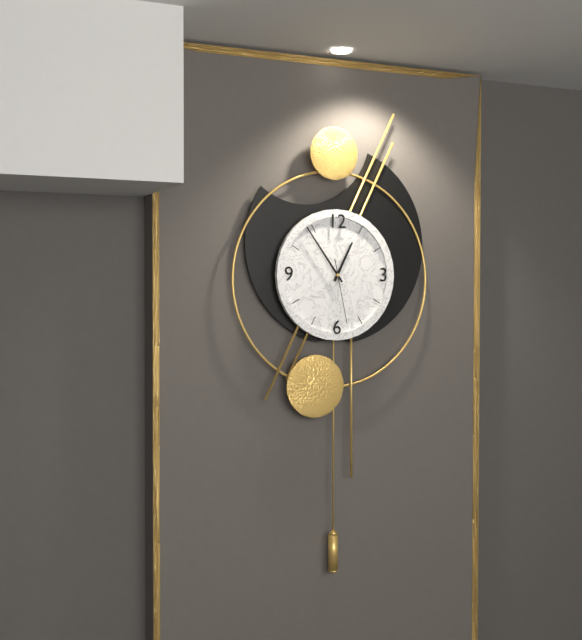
12:54:28
